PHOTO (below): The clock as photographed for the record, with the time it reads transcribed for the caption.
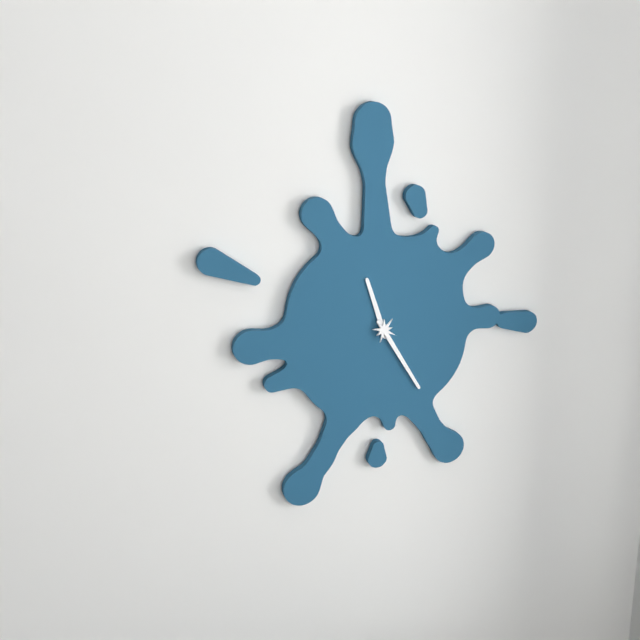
11:25
